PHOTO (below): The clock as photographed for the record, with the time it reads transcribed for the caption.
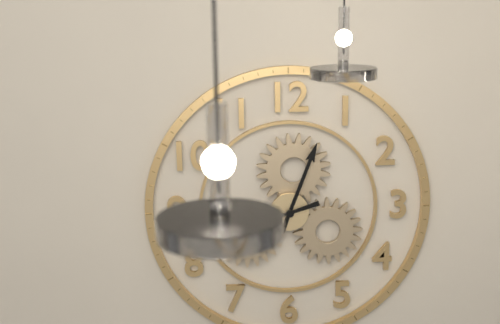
12:42
